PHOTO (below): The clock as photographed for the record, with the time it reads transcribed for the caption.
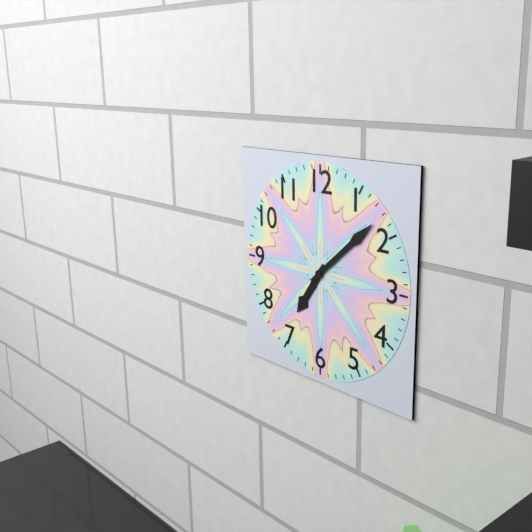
7:08
